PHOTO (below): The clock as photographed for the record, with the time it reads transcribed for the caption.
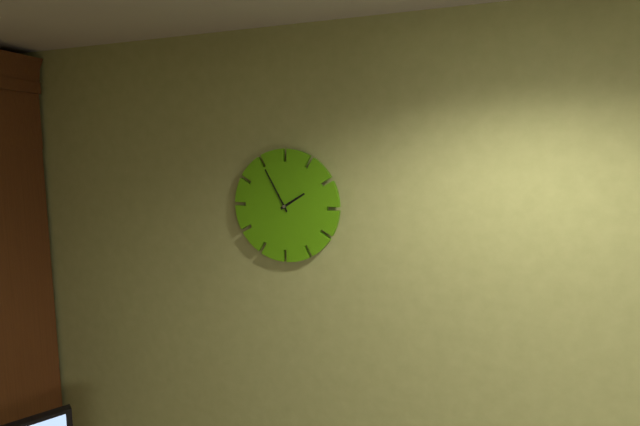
1:55
